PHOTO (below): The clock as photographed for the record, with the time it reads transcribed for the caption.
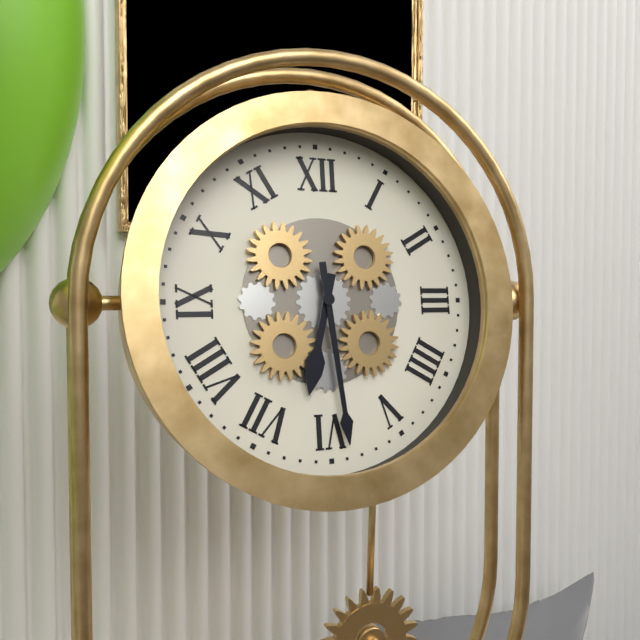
6:29
